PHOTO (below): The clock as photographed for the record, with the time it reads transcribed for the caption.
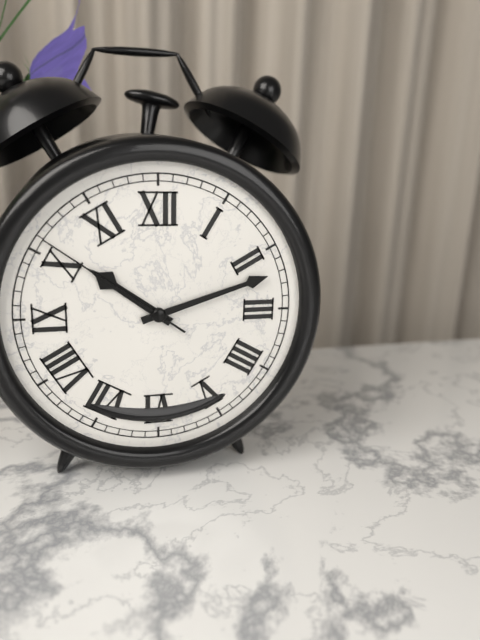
10:12:51
